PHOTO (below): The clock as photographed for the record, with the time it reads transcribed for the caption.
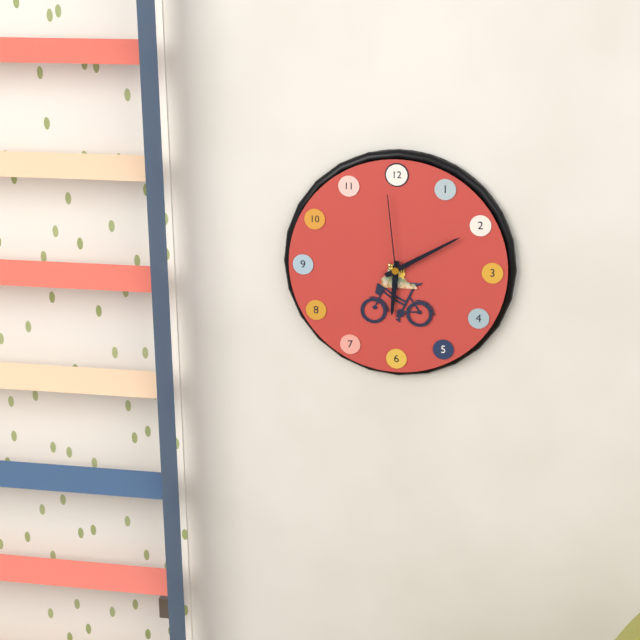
6:10:59
